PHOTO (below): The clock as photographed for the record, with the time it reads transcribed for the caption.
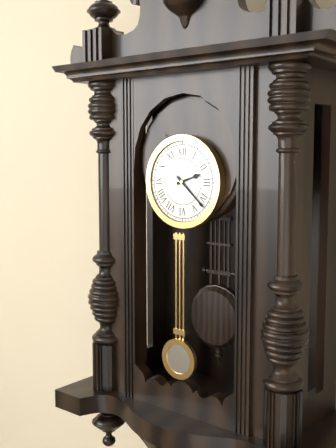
2:22
